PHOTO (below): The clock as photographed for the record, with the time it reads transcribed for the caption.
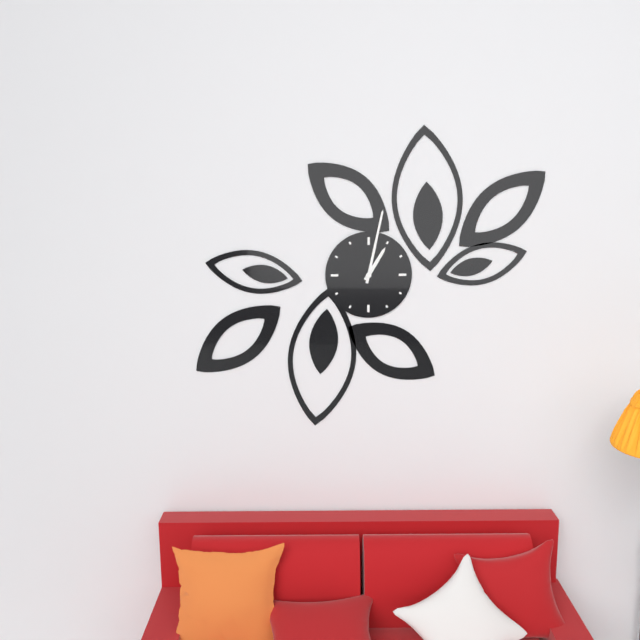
1:02
